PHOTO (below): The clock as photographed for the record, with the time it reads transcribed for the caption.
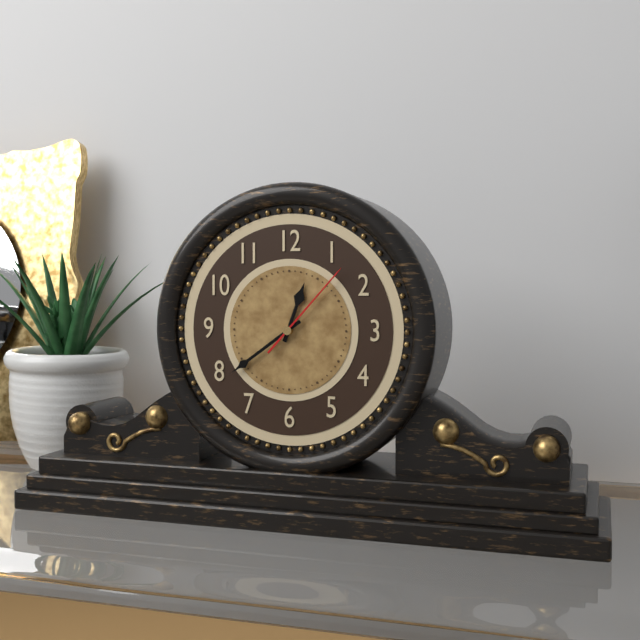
12:39:07
